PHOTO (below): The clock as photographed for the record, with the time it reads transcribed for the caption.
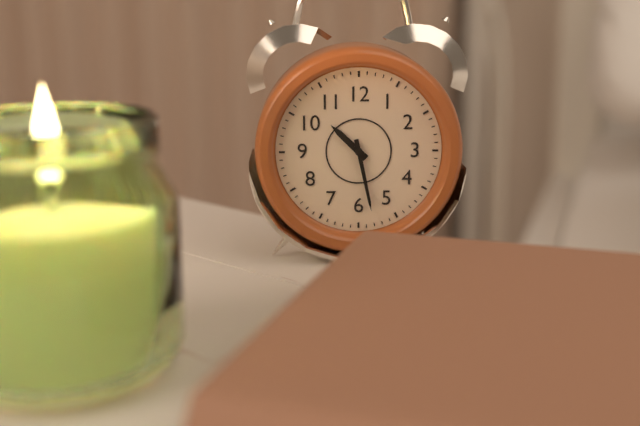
10:28
